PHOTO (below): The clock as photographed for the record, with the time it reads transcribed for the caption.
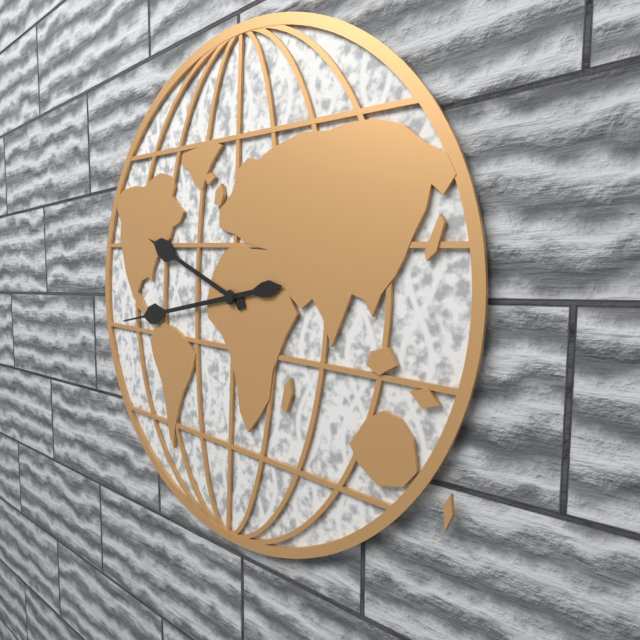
9:43
